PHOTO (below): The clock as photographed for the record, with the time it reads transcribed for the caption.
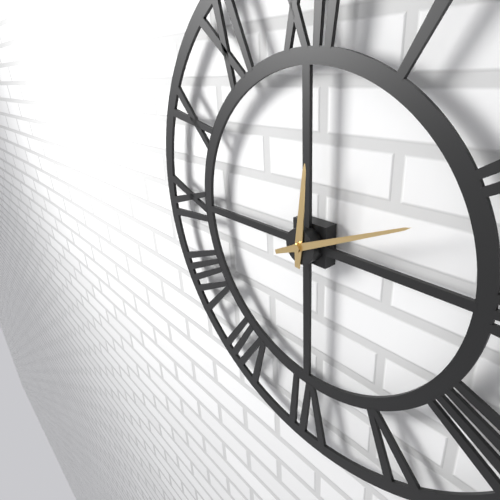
12:11
